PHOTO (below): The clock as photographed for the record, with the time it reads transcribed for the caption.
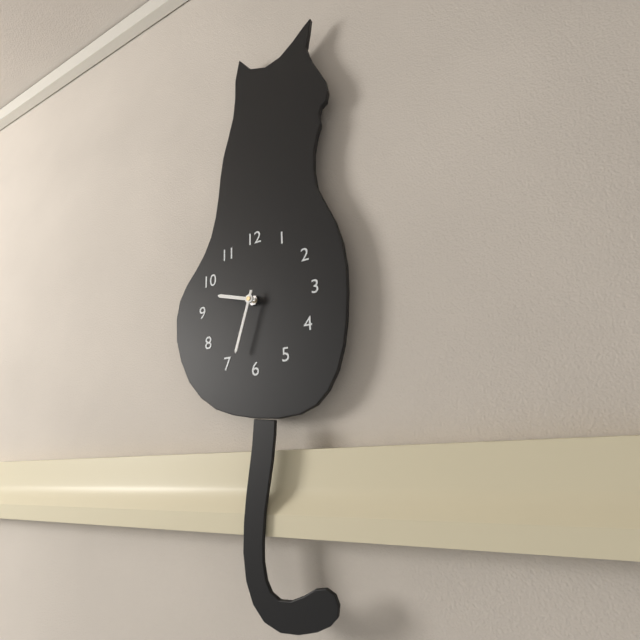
9:33
